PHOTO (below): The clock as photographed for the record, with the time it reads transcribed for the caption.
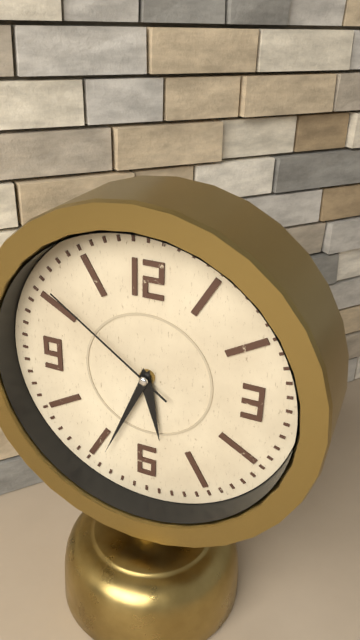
5:34:51
